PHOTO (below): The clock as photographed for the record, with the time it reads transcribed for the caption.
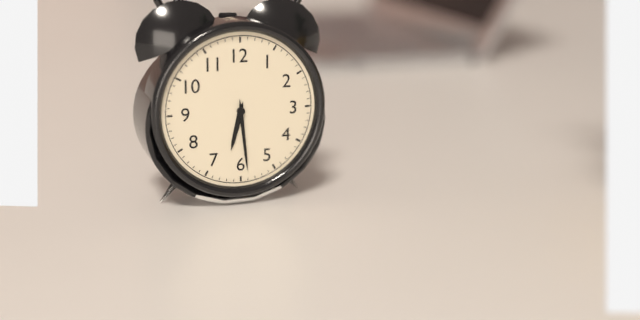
6:29
